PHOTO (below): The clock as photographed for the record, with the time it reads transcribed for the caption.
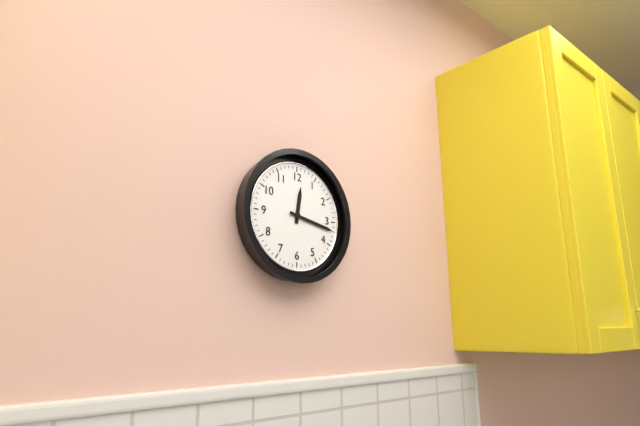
12:17
